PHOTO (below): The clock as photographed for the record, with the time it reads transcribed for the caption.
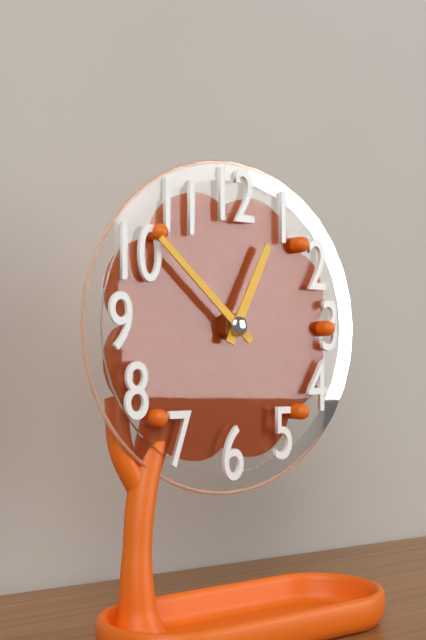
12:52
